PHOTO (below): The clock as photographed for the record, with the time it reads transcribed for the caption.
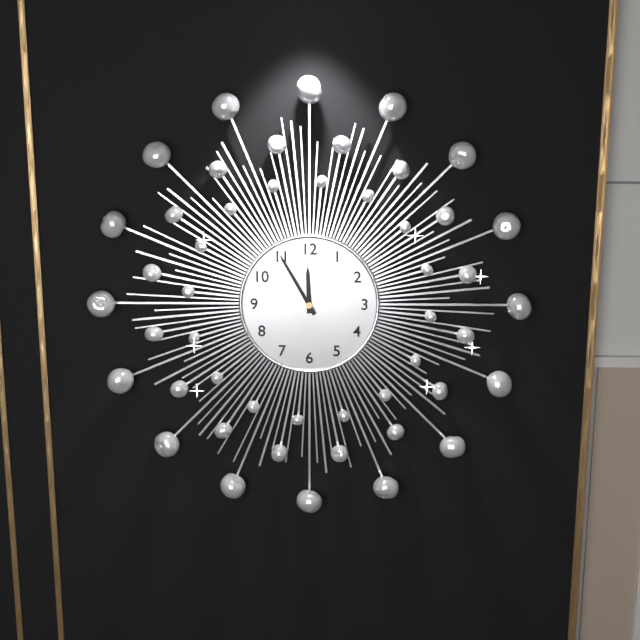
11:55
